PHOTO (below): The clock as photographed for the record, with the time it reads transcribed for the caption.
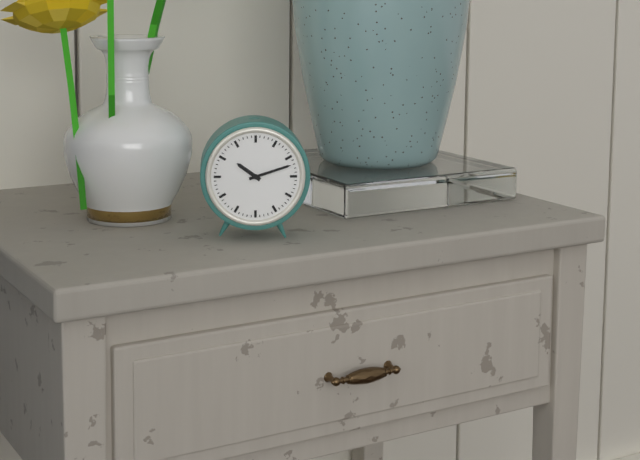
10:12
